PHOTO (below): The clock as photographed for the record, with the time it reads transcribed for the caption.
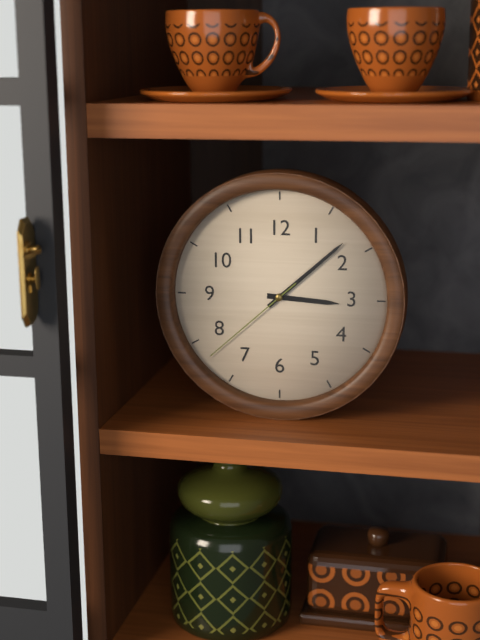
3:08:38
